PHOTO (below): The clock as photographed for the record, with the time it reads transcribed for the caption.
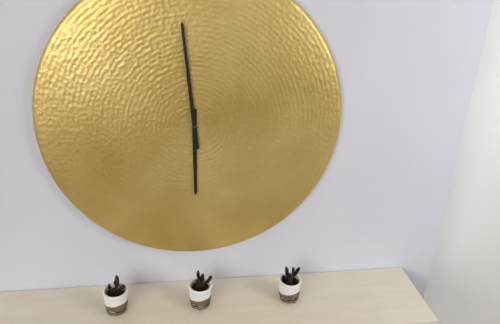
5:59
